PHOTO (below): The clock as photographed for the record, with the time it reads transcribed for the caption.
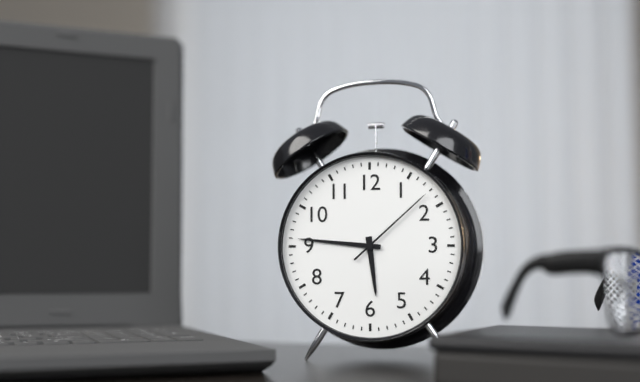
5:46:08
